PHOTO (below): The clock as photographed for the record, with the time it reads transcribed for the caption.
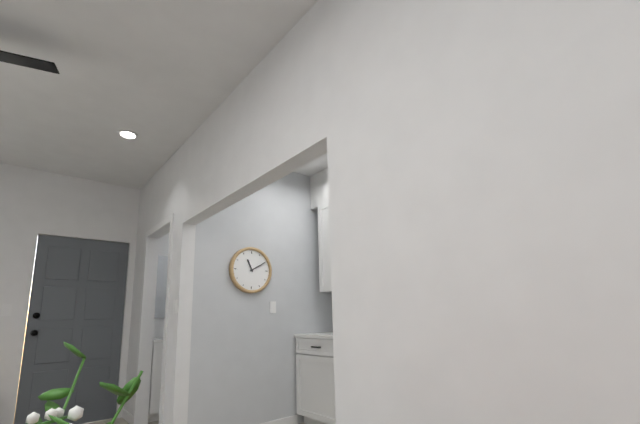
11:10
